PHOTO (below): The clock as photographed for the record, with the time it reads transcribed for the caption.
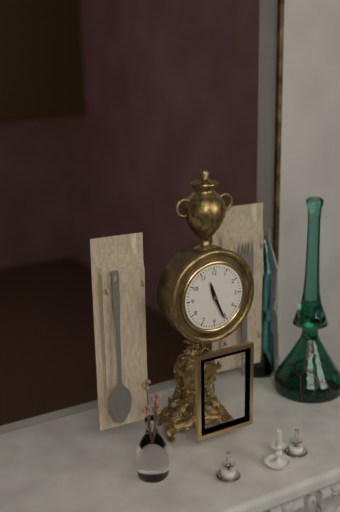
11:26
